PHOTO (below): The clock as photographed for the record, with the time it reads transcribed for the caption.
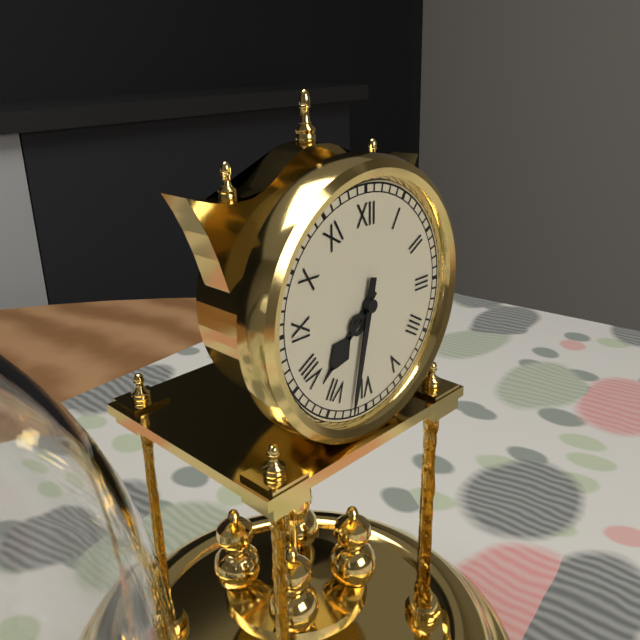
7:32
